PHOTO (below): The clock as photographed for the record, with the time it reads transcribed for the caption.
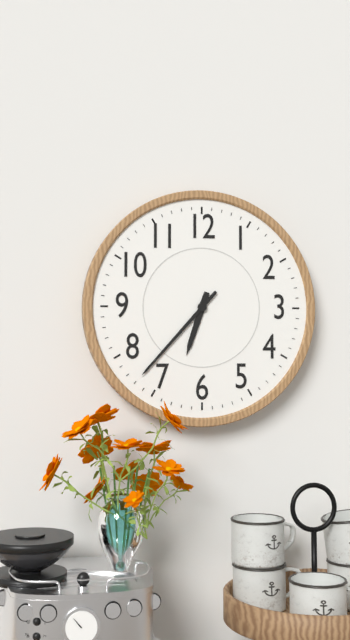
6:37
